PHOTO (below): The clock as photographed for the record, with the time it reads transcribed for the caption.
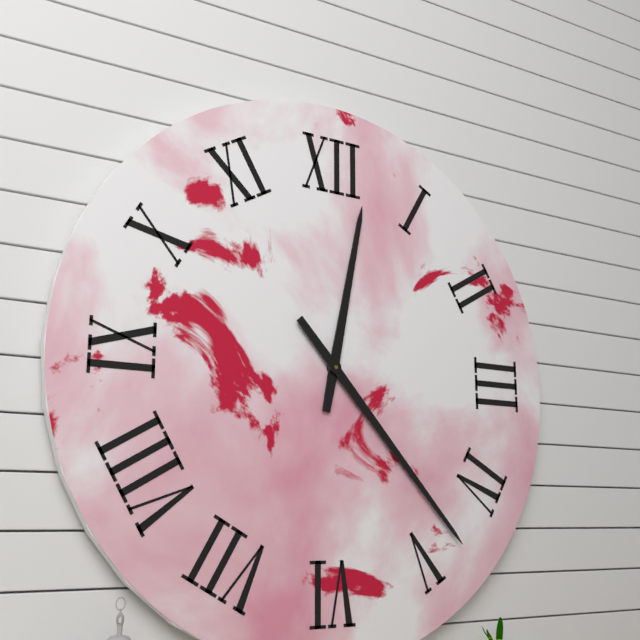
12:23
